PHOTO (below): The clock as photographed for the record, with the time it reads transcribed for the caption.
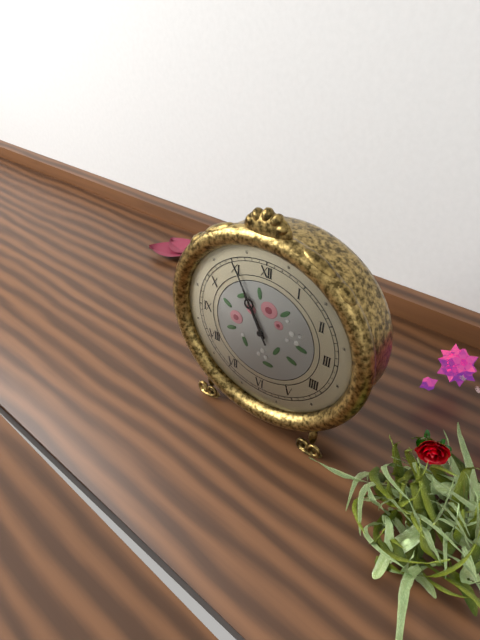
10:55
